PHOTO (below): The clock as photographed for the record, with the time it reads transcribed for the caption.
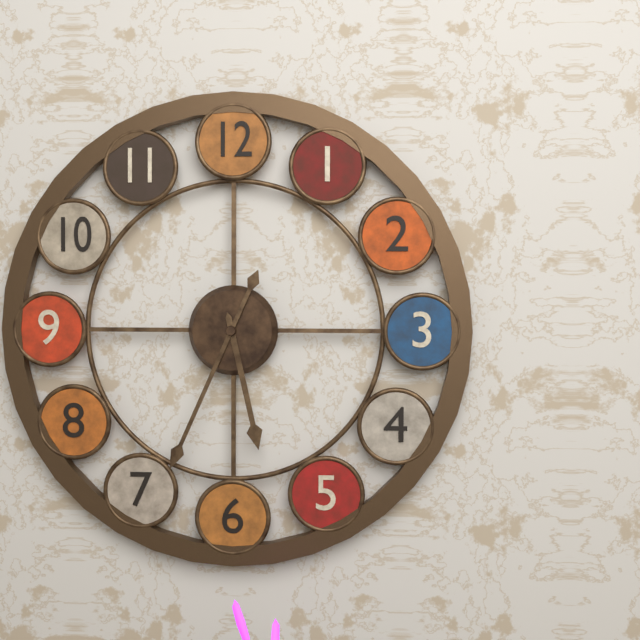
5:34
